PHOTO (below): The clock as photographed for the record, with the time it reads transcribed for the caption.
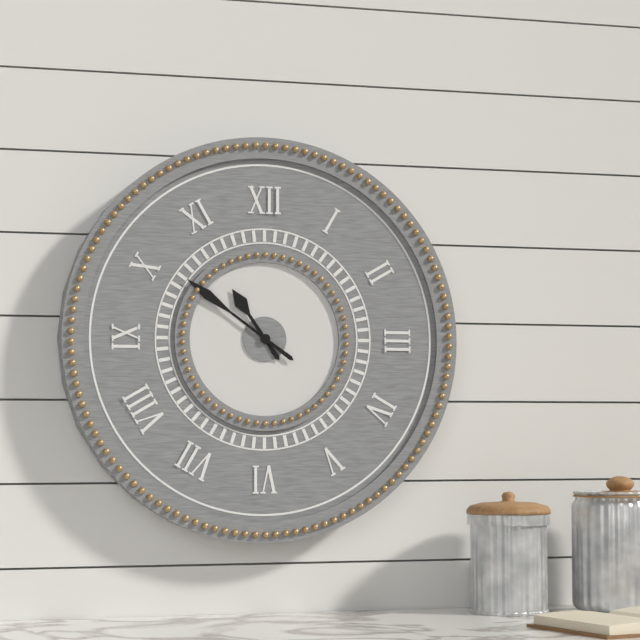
10:51
